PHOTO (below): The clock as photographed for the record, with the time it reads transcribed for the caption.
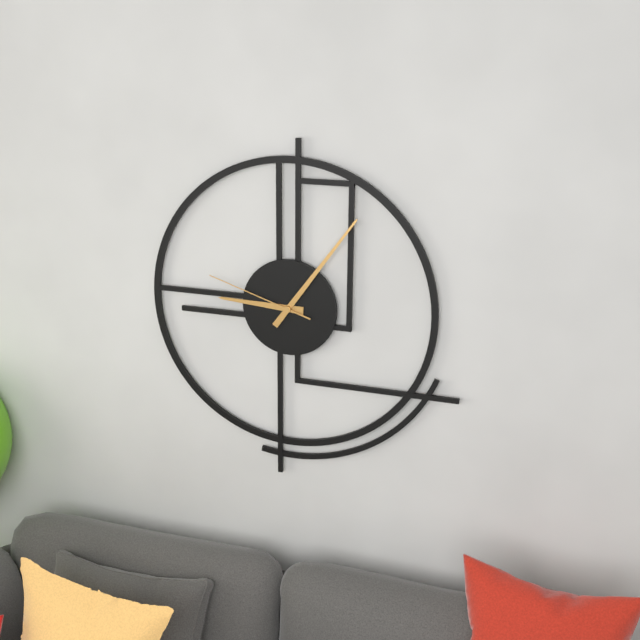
9:06:48
